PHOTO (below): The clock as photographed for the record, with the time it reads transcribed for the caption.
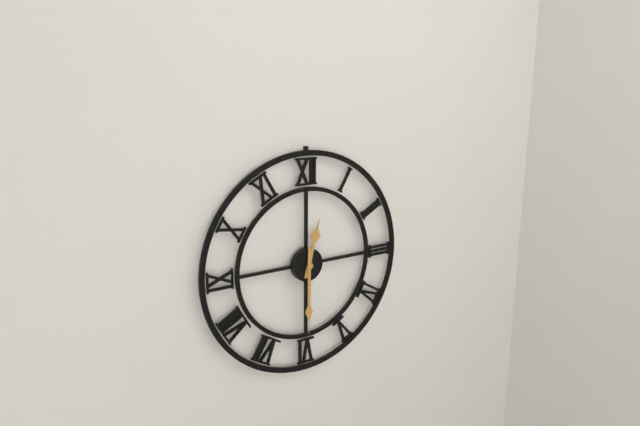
12:30
